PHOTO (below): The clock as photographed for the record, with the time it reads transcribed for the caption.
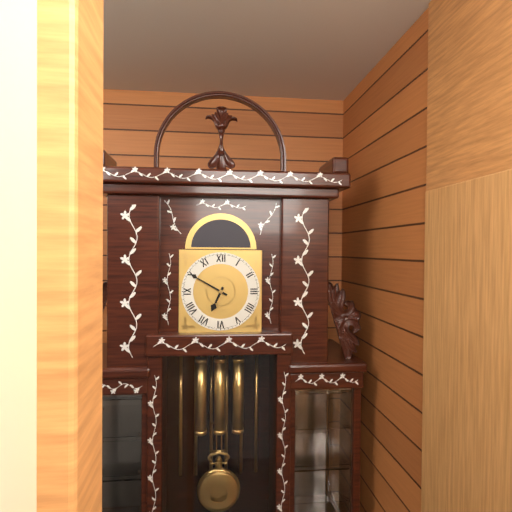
6:50
